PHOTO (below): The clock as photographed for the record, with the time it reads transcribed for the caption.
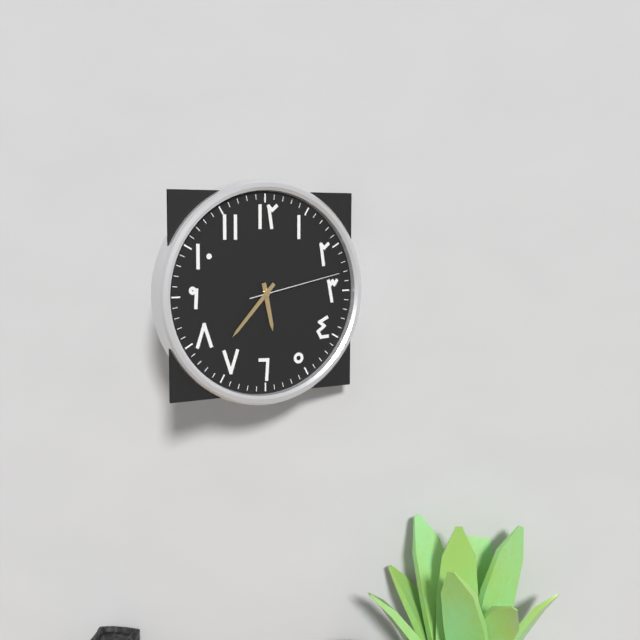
5:37:13
